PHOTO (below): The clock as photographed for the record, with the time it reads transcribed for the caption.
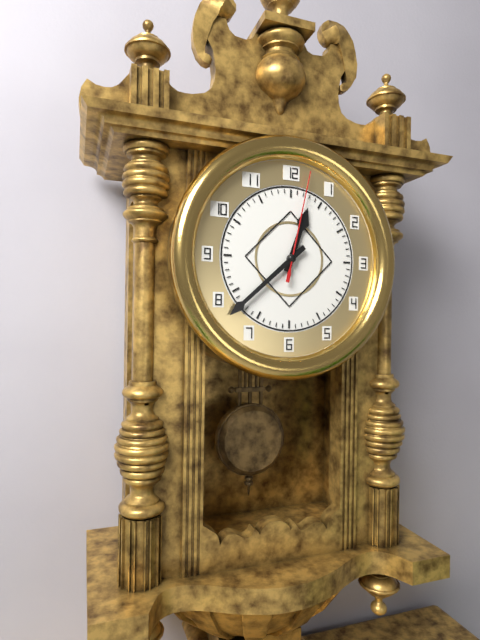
12:38:02
